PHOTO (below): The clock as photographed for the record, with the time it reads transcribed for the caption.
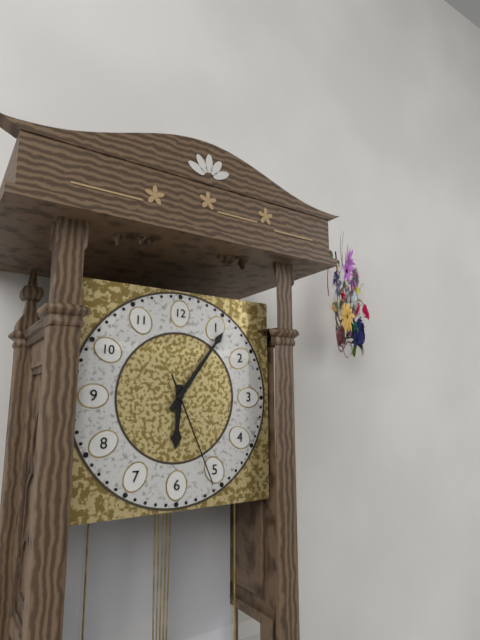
6:06:26
